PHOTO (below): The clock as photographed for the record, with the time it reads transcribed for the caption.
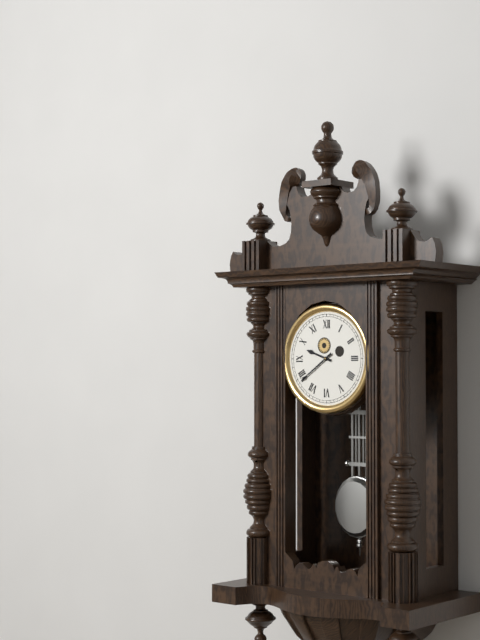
9:39
